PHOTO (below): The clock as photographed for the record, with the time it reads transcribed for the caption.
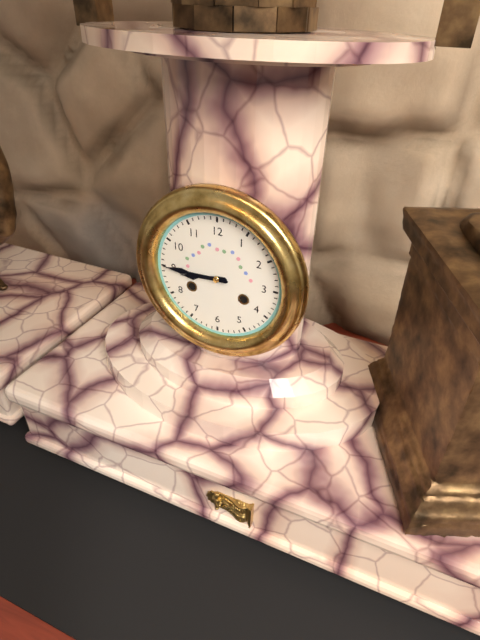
8:45
